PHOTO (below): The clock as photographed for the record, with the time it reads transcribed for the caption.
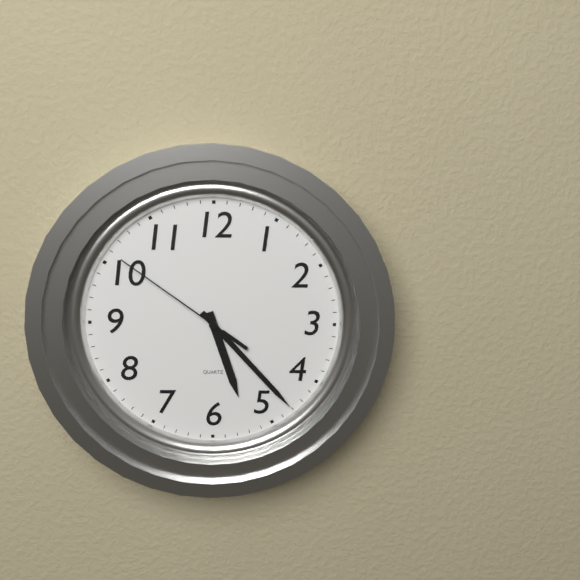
5:23:51
